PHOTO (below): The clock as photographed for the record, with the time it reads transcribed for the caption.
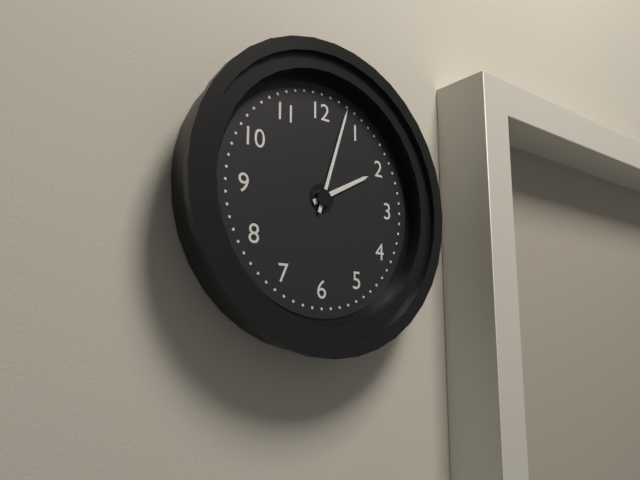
2:03
